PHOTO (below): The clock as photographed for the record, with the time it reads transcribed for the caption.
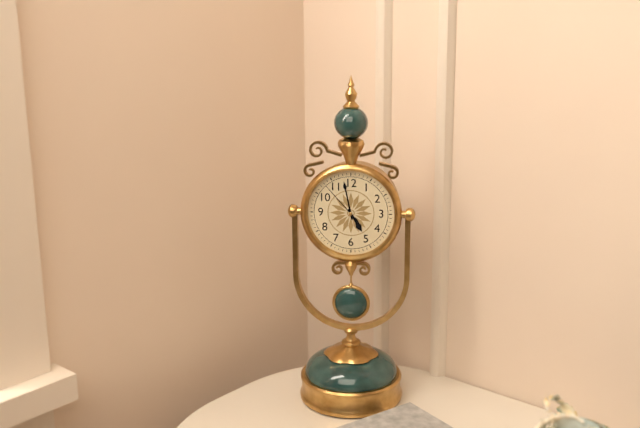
4:58
